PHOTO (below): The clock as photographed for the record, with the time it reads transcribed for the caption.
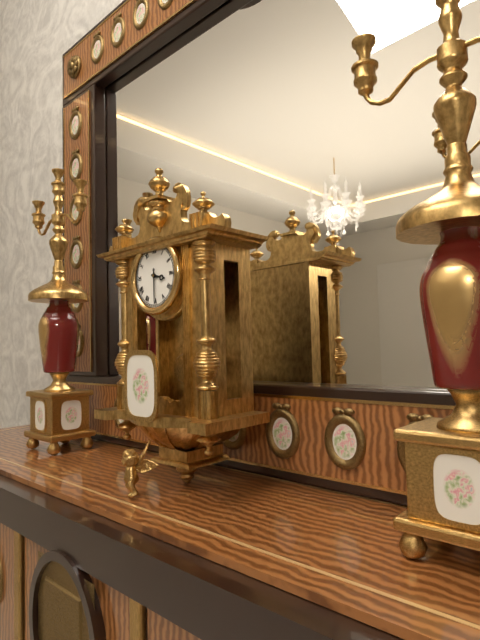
3:30
